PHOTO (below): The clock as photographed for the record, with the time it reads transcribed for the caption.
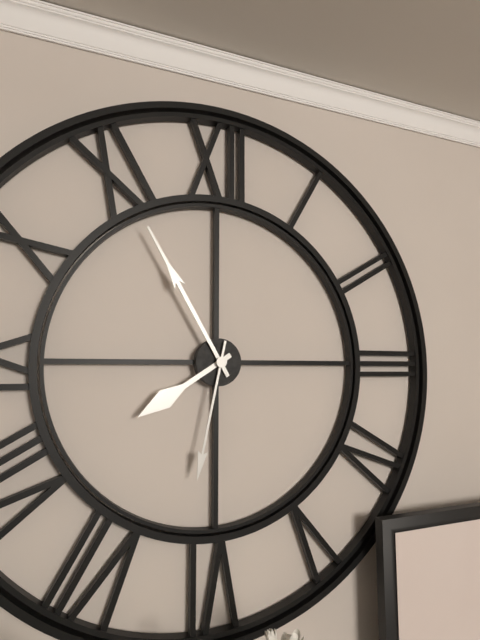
7:55:32
